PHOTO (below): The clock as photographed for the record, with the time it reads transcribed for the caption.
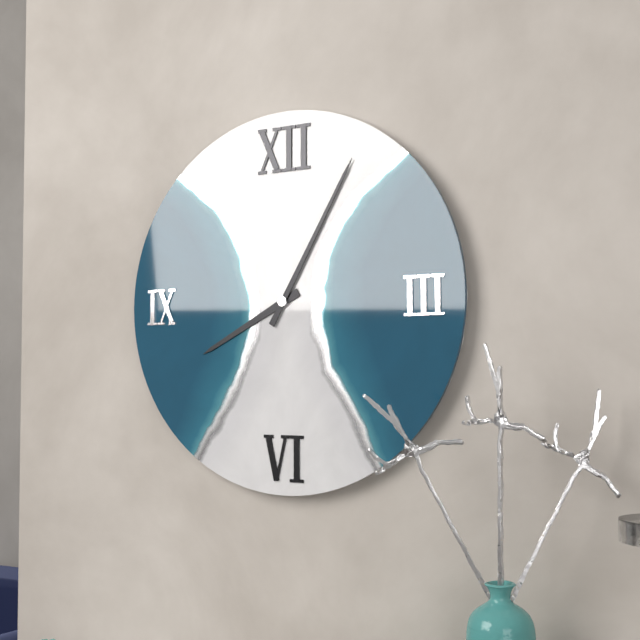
8:05
